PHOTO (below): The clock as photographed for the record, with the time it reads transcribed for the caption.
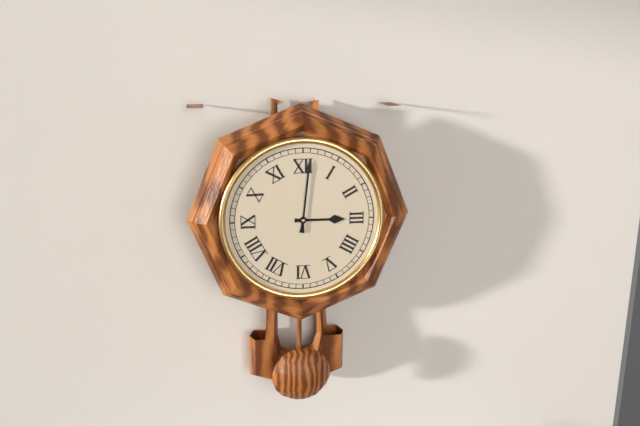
3:01
